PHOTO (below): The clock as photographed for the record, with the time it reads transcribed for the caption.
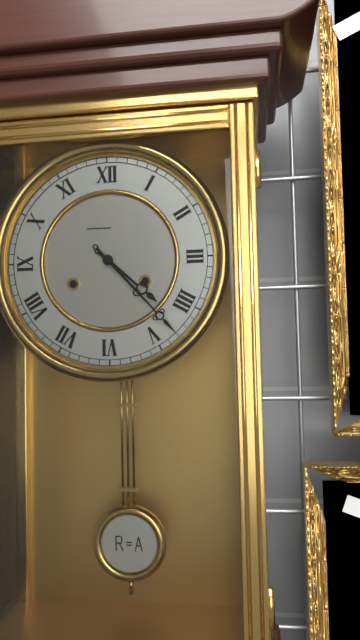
4:23
